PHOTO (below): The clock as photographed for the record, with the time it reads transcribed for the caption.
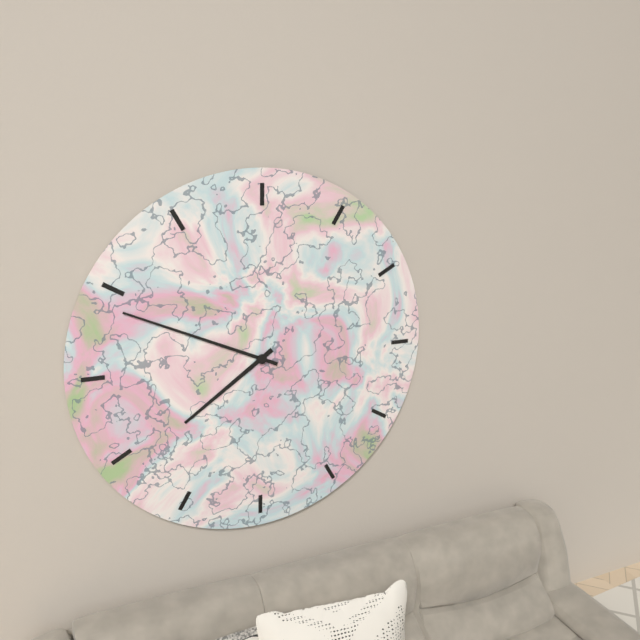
7:49
